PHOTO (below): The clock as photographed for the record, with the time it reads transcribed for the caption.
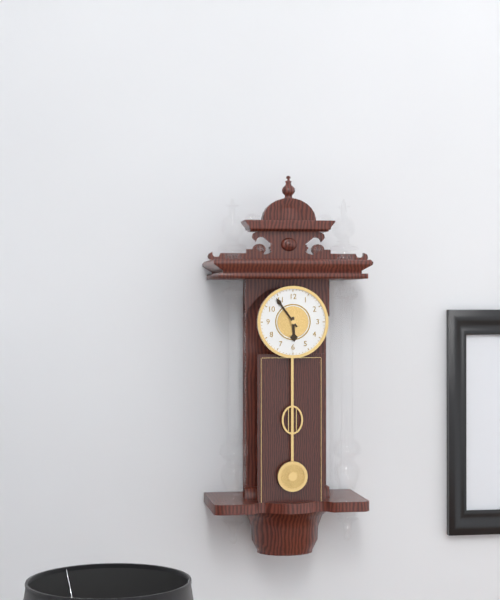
5:54
